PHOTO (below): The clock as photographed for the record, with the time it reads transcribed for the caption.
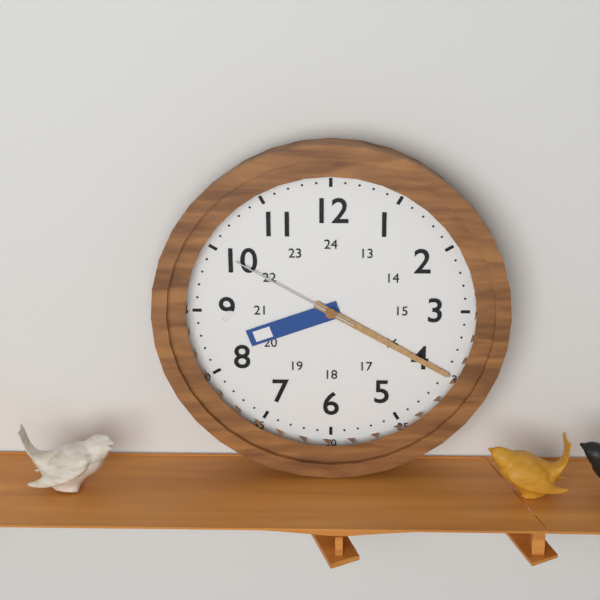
8:20:50
